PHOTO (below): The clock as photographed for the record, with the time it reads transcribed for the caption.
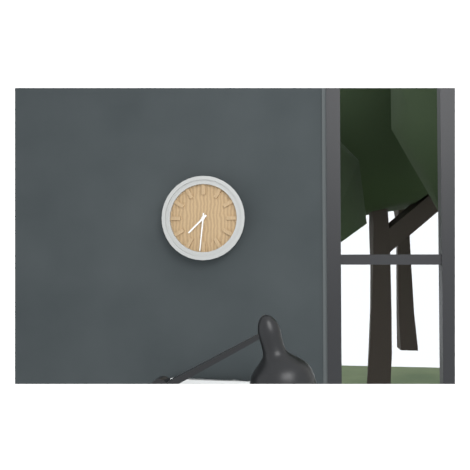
7:31
